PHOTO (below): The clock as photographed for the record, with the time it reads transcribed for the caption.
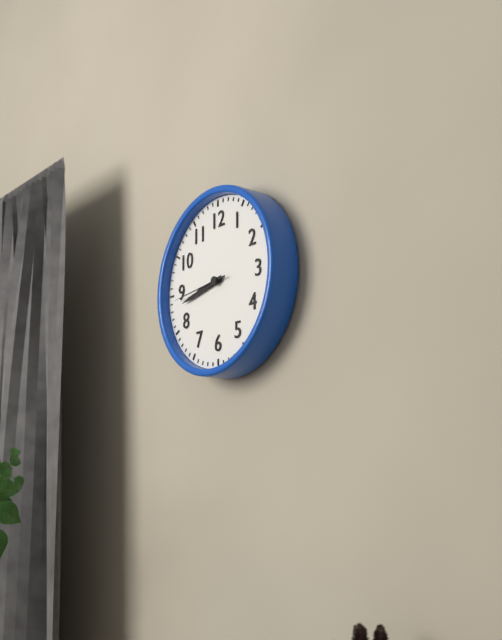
8:43:44
